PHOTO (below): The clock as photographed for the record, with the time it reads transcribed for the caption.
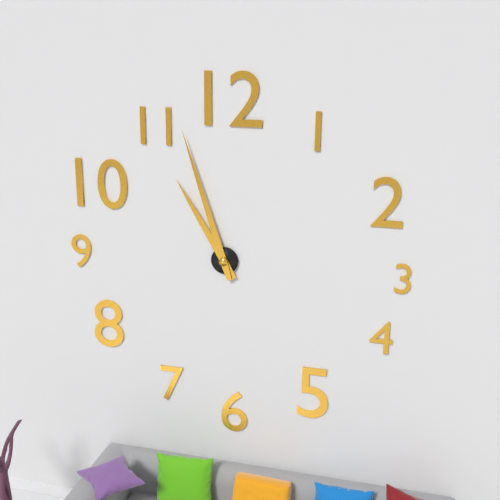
10:57
